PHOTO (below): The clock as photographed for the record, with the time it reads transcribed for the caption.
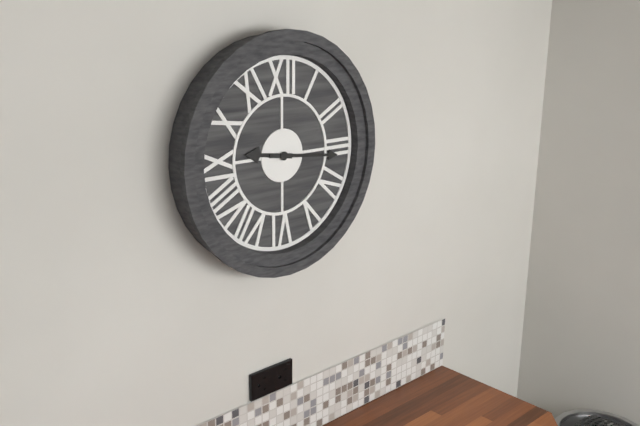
9:16
